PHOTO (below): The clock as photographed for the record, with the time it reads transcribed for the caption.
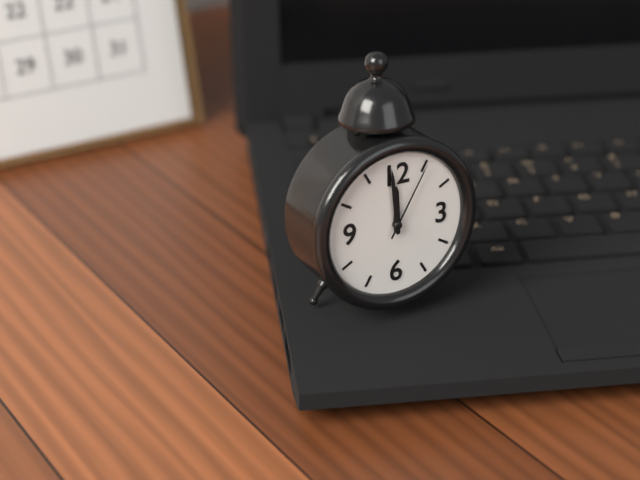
11:59:05
